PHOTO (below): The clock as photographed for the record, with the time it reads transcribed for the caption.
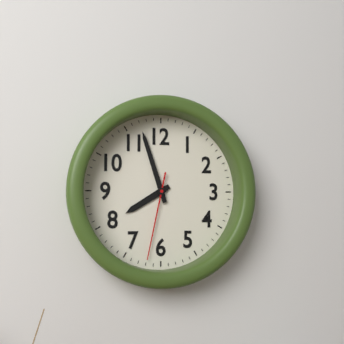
7:57:32
